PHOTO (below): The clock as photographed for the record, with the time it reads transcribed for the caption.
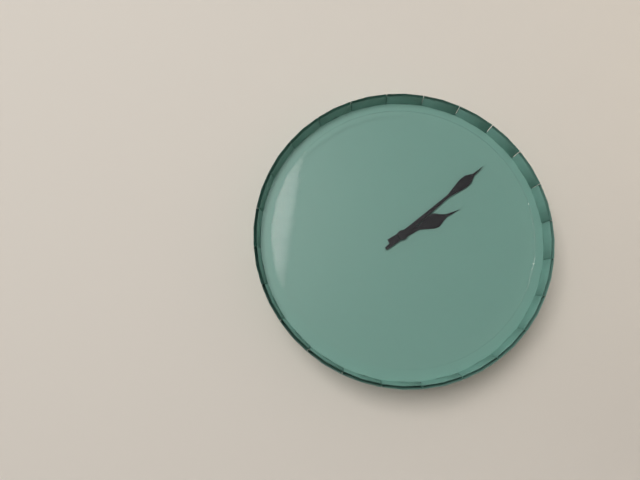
2:08
